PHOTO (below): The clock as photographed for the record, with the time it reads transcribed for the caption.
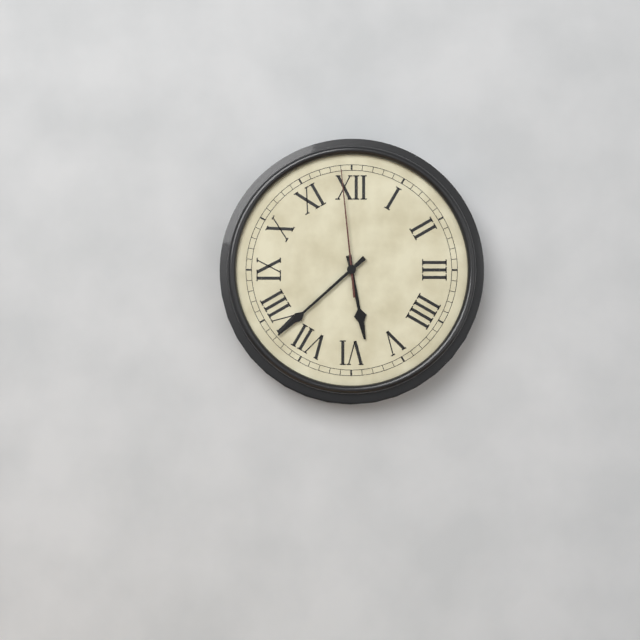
5:38:59
